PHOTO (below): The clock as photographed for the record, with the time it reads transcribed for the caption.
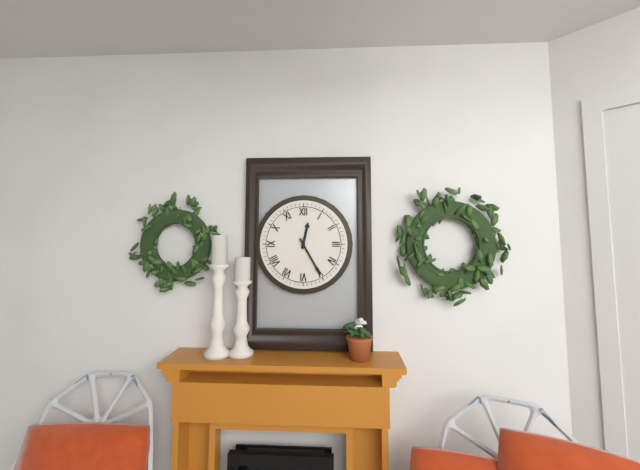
12:25
